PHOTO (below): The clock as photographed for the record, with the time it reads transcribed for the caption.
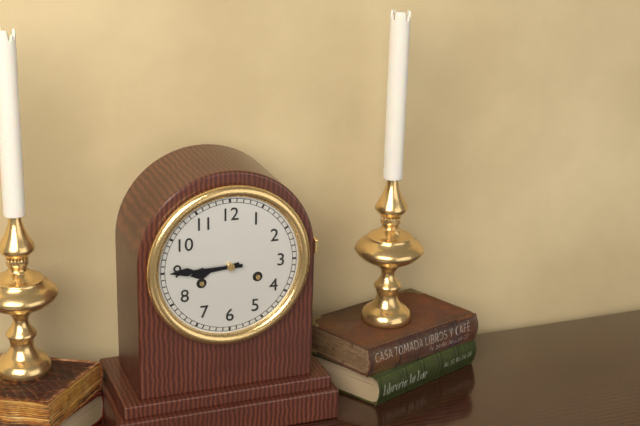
8:45
